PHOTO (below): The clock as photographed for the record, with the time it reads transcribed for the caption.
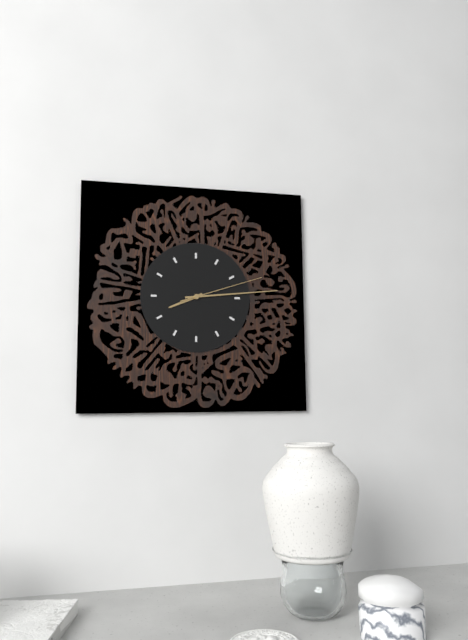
8:14:12
